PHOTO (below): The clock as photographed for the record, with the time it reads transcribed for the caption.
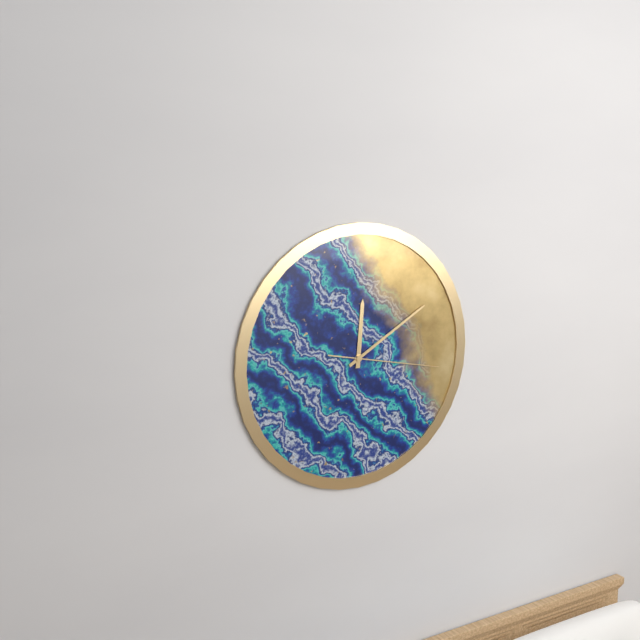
12:10:17
